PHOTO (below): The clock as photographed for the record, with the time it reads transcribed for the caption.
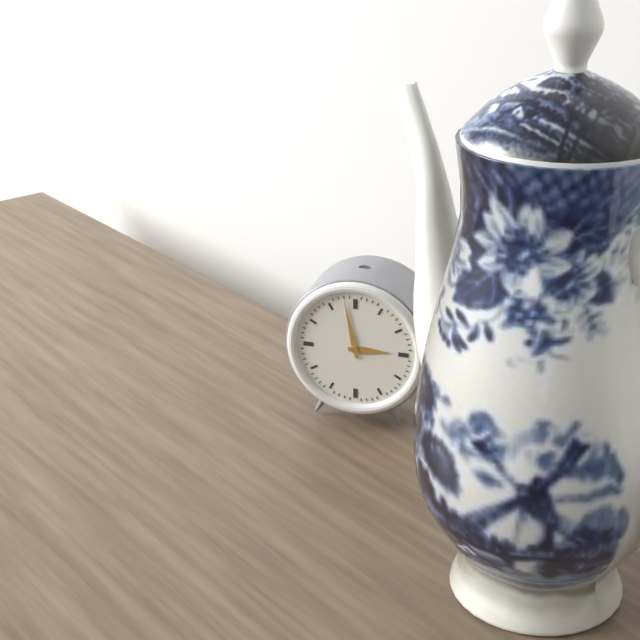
2:58
